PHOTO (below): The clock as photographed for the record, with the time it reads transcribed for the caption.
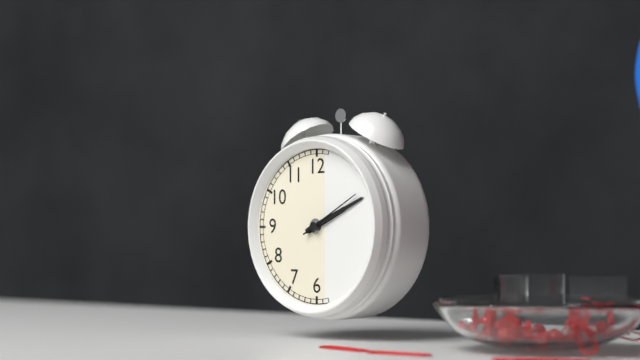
2:11:10
